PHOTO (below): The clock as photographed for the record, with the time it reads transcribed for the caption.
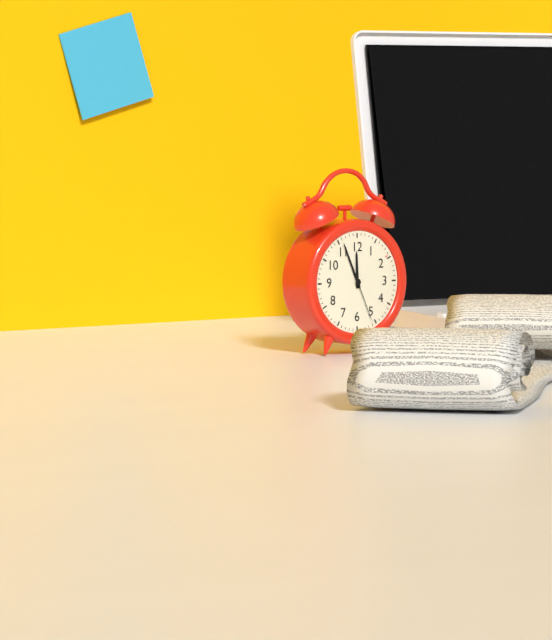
11:56:26
